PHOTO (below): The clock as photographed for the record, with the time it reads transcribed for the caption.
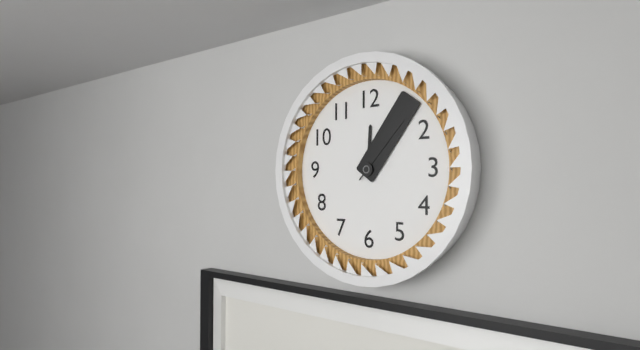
12:06:07
